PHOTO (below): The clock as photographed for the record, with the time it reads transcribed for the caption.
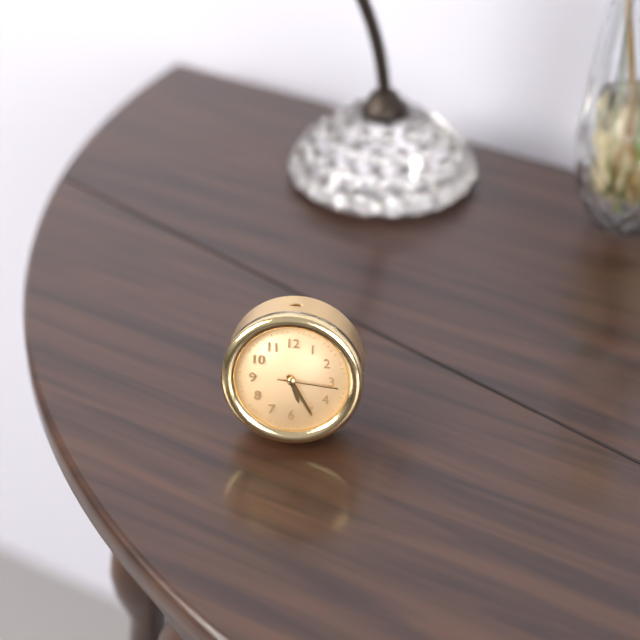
5:25:16
